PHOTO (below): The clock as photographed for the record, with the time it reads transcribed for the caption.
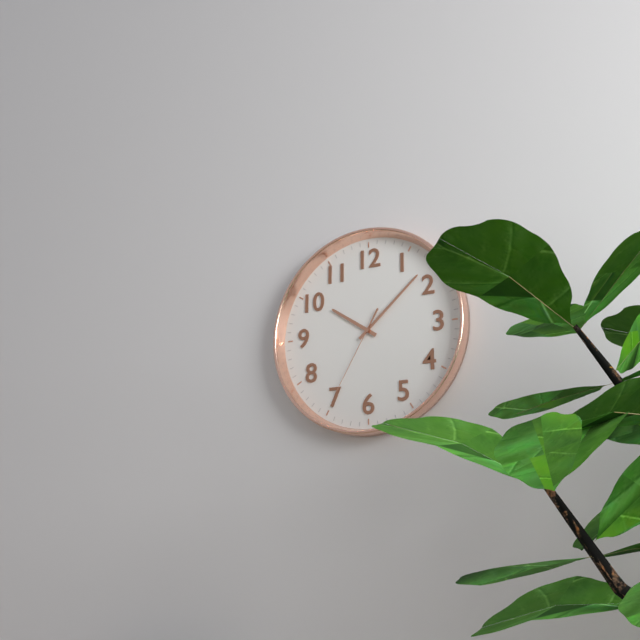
10:08:35
